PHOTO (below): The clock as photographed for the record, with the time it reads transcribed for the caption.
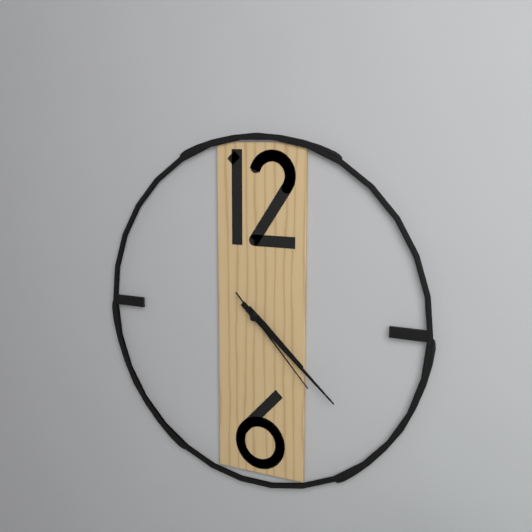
4:22:23
